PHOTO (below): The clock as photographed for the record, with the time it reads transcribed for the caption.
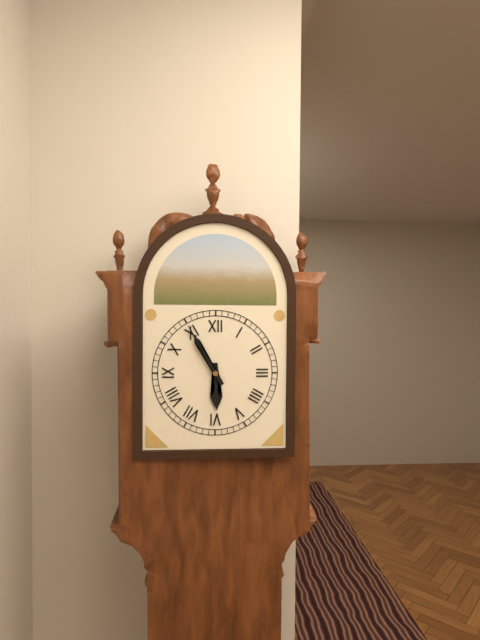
5:55
